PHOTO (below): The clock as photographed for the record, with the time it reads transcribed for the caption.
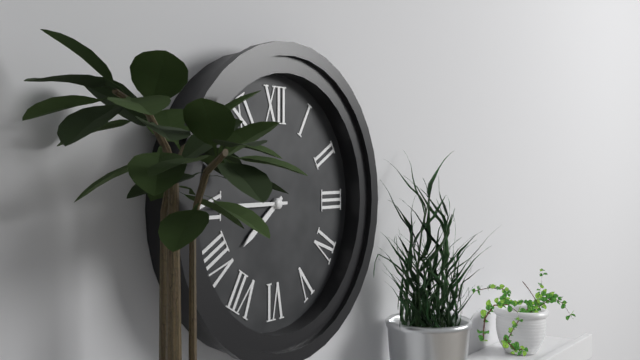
7:45
